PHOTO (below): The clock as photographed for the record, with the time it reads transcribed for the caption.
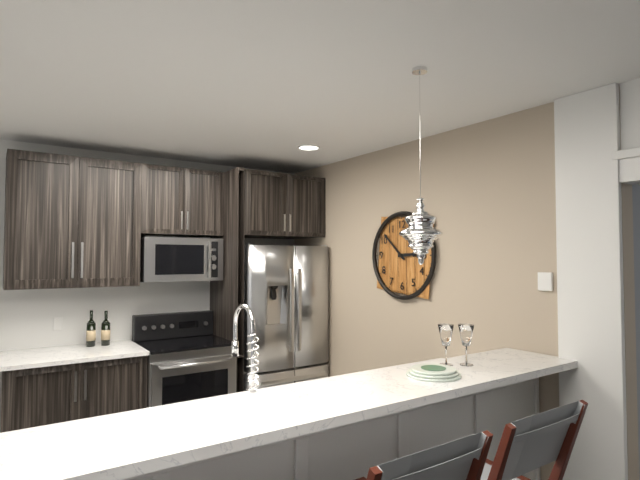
2:52
